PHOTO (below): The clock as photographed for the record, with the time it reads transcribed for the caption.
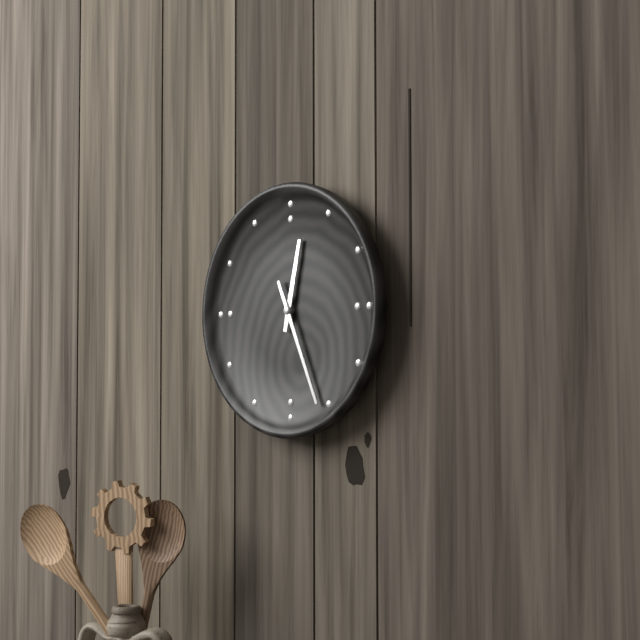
12:26
